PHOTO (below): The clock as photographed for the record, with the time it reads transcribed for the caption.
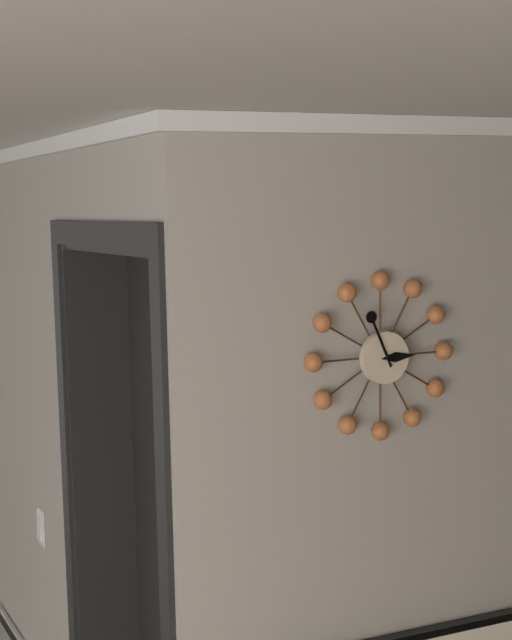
2:56
